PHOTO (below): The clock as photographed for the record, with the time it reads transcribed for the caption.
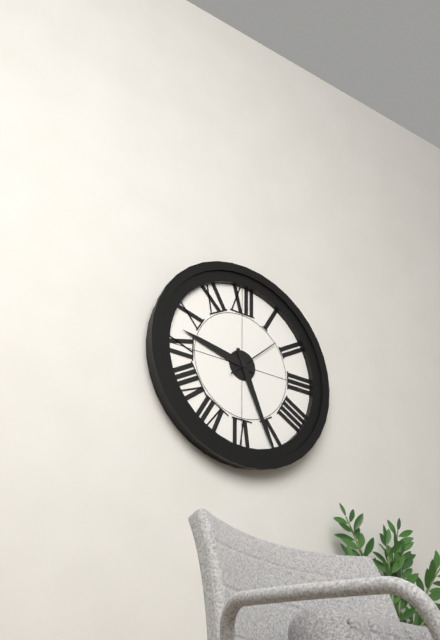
9:26
